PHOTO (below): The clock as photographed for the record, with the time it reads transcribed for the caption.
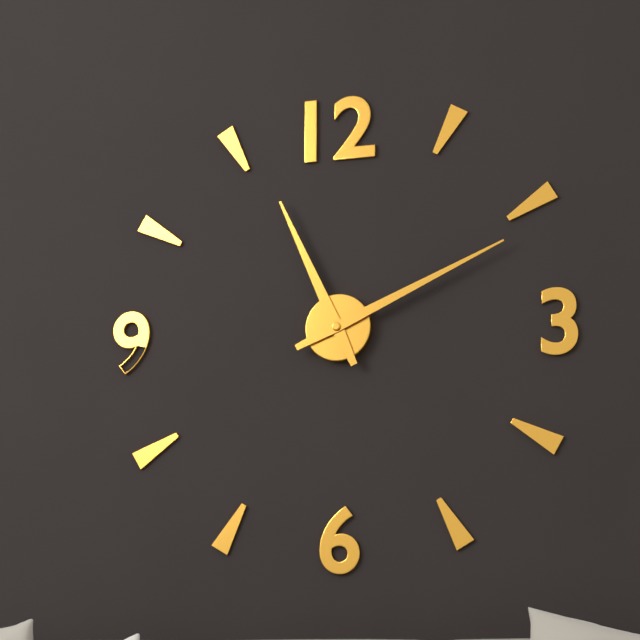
11:11
